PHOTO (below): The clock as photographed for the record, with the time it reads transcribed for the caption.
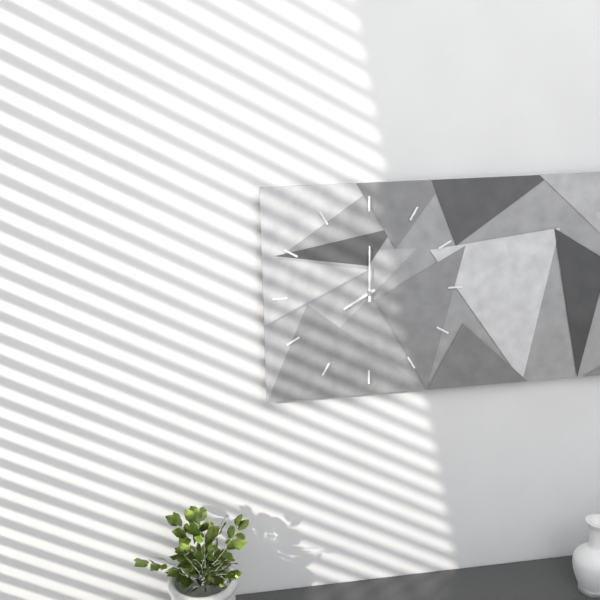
8:00
